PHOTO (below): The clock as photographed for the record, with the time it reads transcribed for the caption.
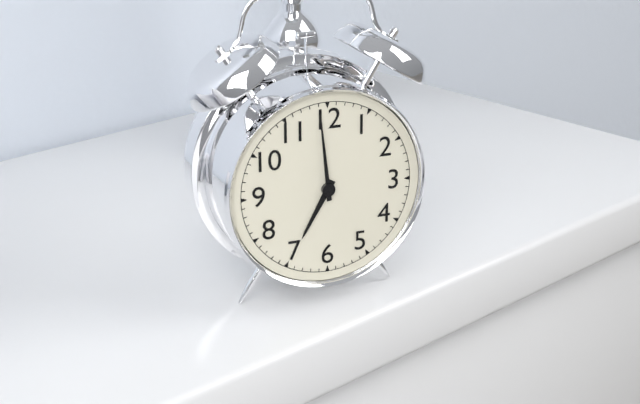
6:59
